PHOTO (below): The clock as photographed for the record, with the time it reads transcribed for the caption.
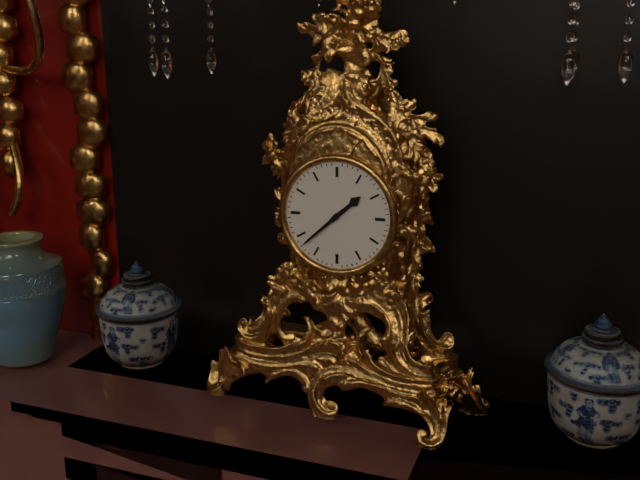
1:38
